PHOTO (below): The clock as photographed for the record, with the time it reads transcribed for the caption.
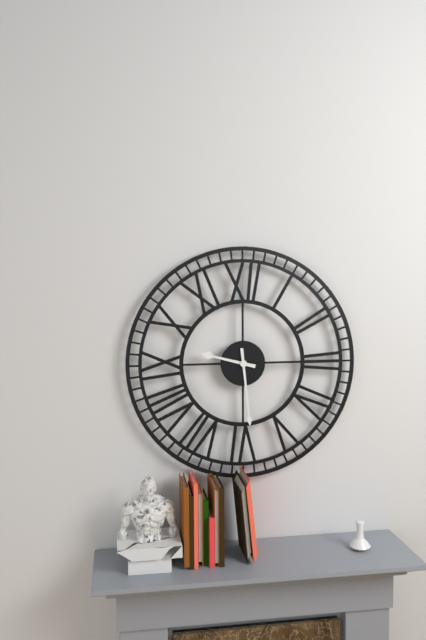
9:29
